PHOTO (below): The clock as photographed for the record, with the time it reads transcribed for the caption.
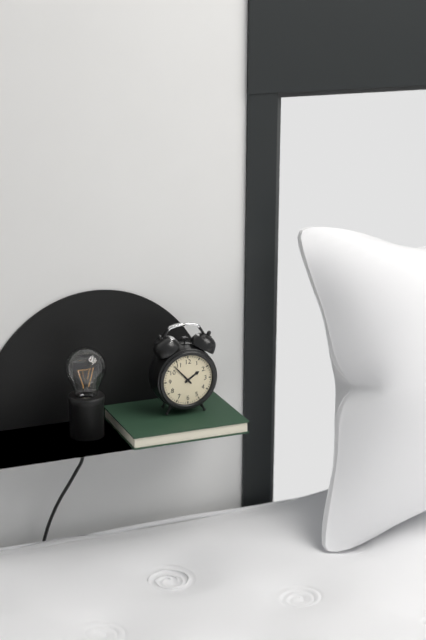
1:53
